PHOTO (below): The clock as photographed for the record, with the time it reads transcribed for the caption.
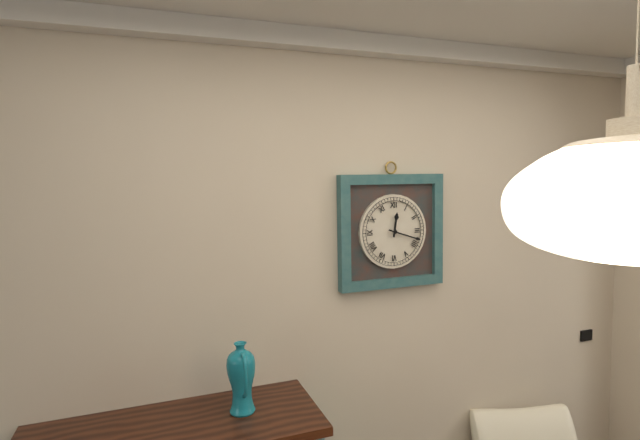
12:18
